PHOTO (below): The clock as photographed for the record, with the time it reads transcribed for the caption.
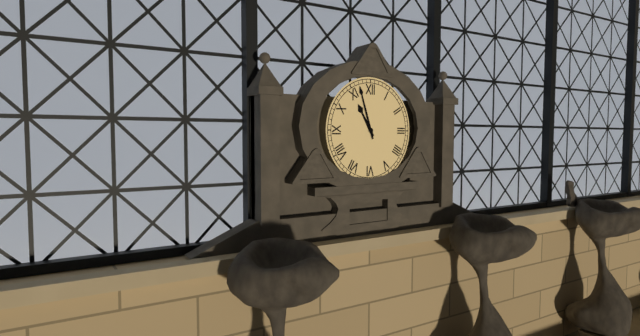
10:57
